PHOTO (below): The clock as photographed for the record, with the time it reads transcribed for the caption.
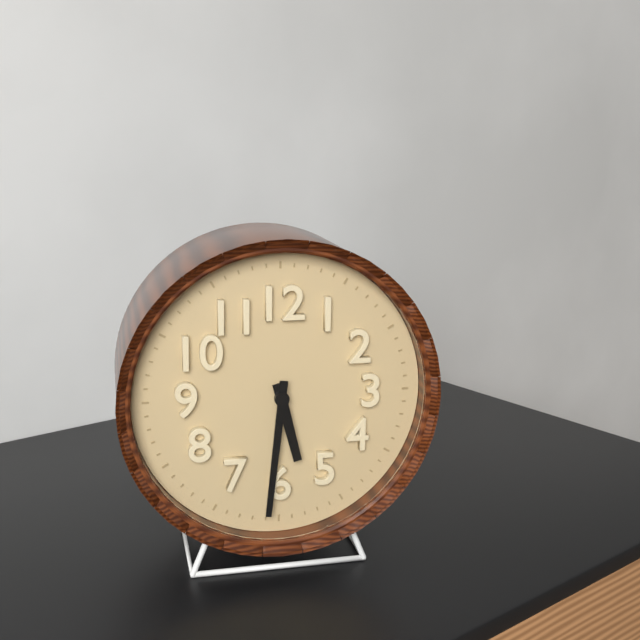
5:31
